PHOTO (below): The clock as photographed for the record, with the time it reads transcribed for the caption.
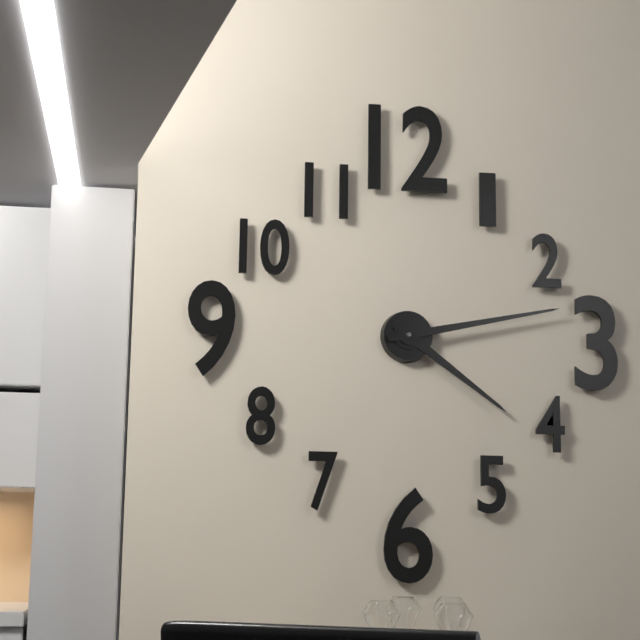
4:13
